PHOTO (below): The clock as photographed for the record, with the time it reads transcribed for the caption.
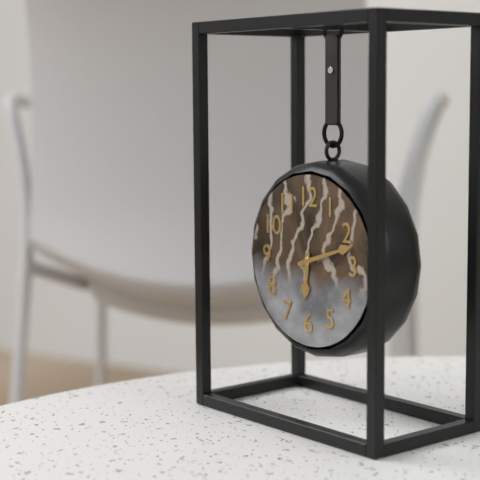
6:12
